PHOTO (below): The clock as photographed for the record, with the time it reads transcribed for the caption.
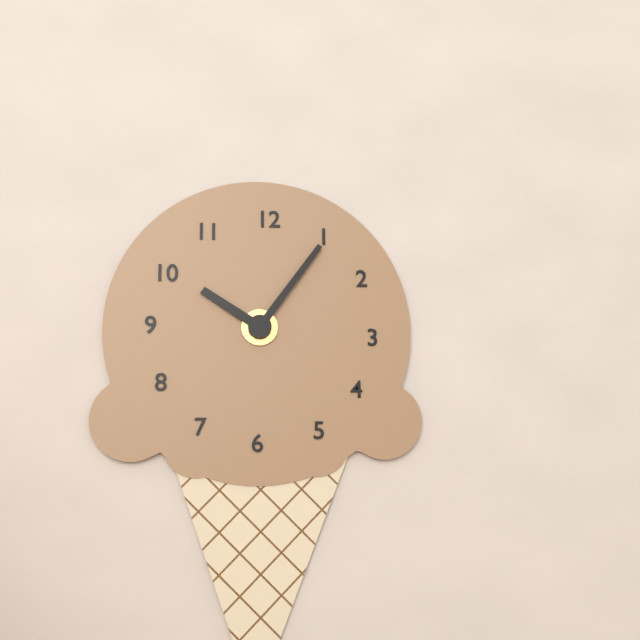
10:06
